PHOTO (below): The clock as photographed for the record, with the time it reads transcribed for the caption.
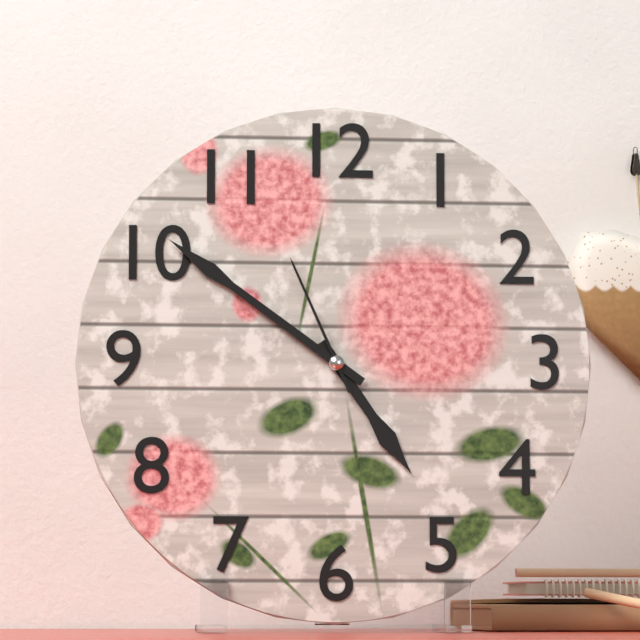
4:51:56
